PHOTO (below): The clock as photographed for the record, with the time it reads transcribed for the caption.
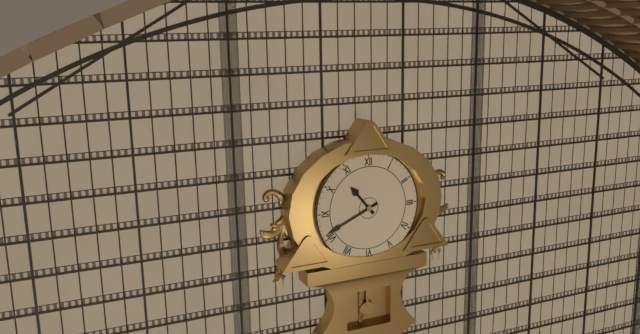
10:41
